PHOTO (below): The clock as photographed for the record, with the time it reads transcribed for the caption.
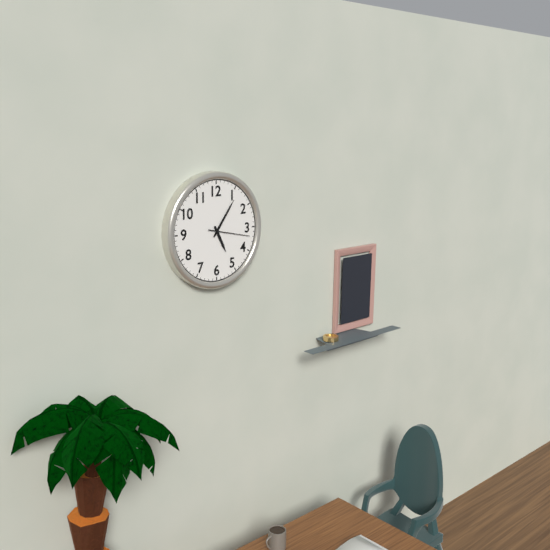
5:06
